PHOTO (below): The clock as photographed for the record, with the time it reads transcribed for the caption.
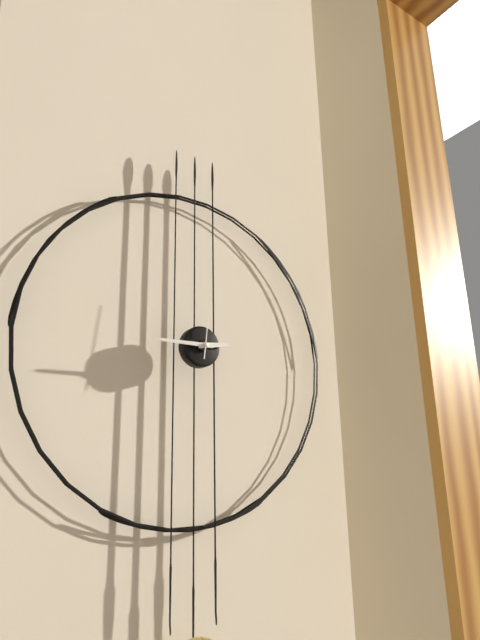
2:45:01
